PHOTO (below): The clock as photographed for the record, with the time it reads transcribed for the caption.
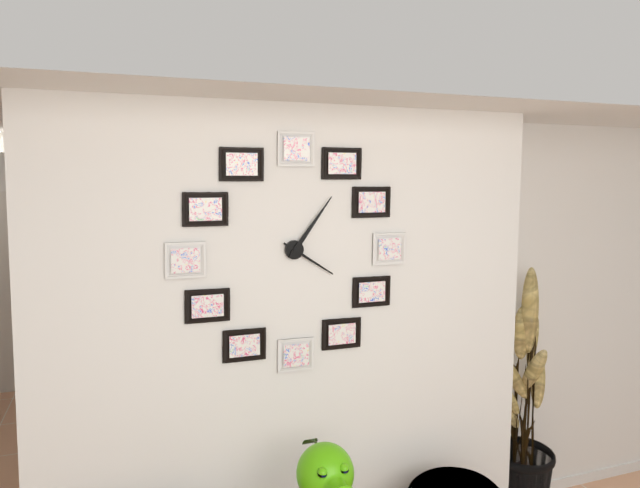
4:06
